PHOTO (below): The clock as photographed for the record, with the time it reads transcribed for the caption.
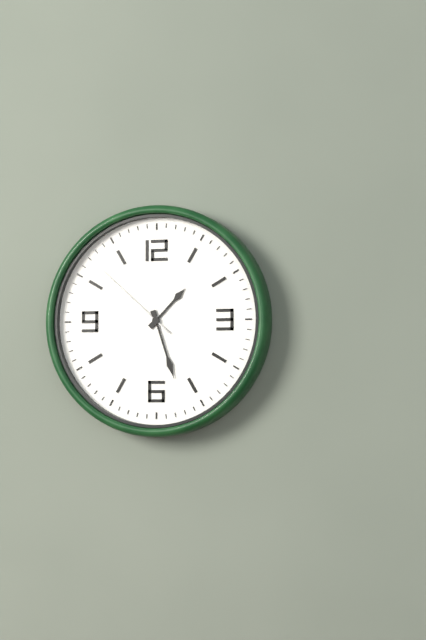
1:27:52
